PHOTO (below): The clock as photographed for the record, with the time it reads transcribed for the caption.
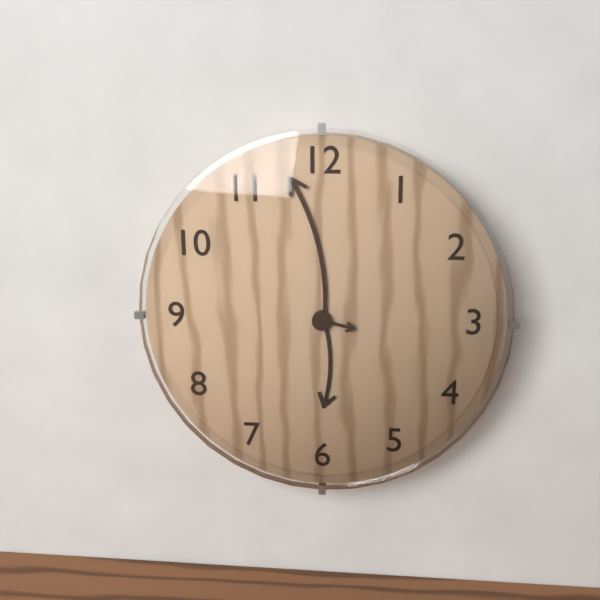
5:58
